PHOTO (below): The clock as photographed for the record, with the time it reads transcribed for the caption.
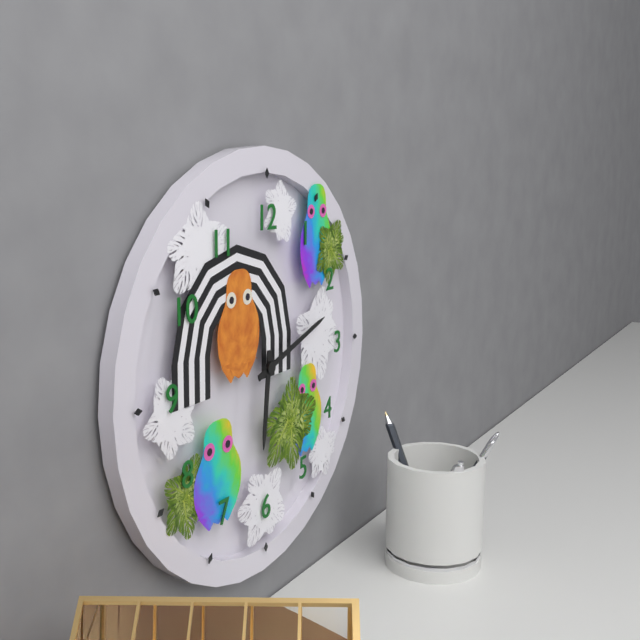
6:12
